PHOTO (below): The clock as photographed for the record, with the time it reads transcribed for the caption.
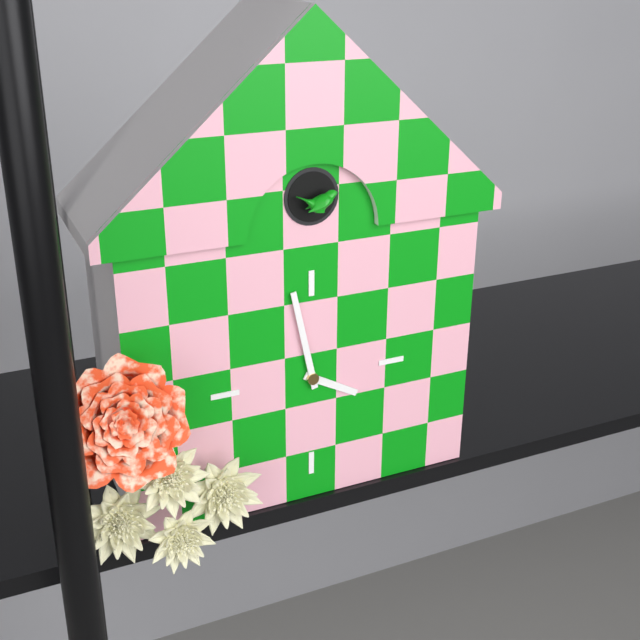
3:58
